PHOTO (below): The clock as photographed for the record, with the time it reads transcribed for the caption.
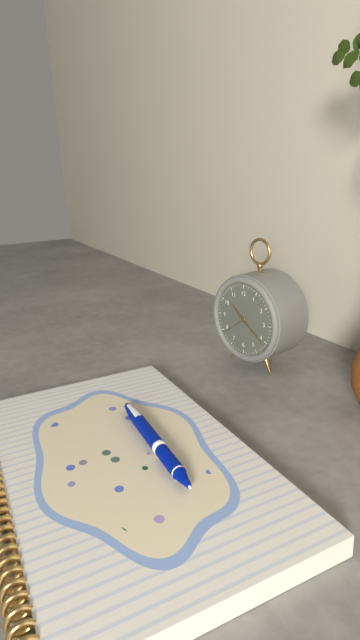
10:21
